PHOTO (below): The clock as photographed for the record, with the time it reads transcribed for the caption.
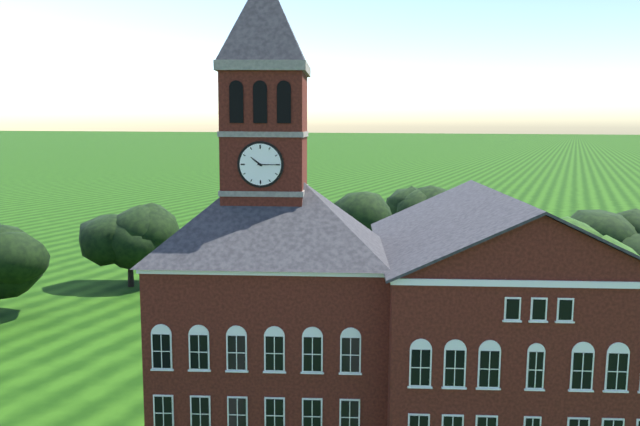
10:15
